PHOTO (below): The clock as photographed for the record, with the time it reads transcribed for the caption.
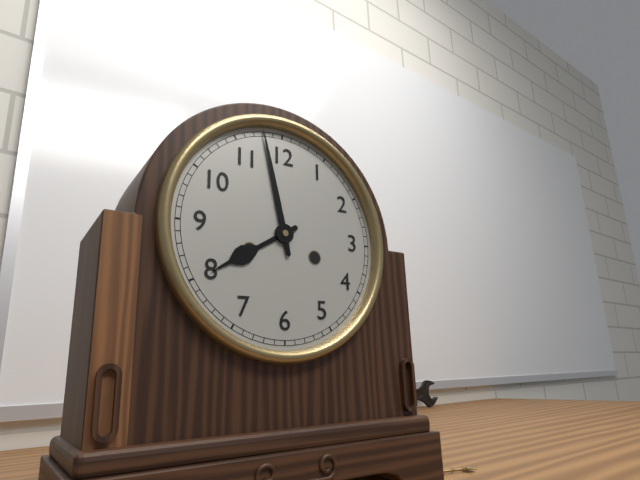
7:58
